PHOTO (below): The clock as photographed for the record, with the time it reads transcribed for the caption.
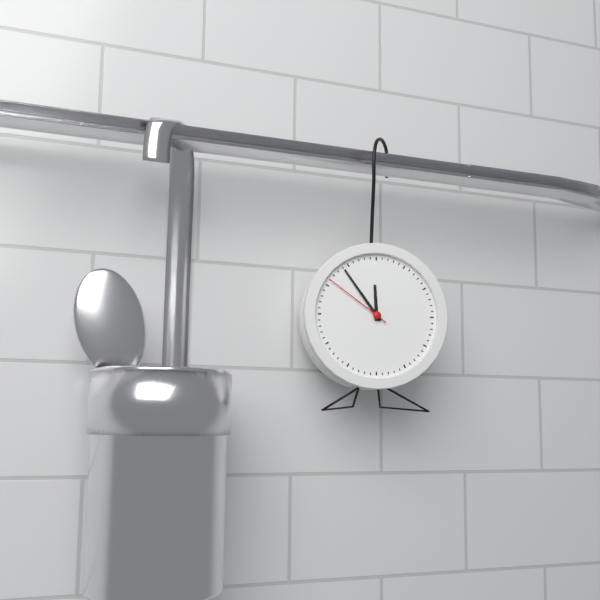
11:54:51
